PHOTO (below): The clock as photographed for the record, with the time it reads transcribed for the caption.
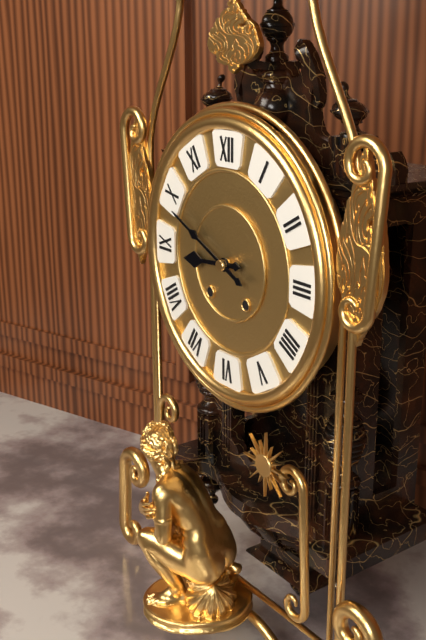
8:49
